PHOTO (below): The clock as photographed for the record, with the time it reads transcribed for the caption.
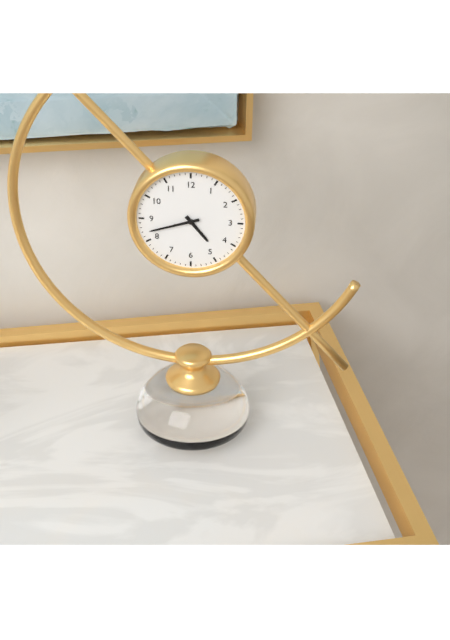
4:42
